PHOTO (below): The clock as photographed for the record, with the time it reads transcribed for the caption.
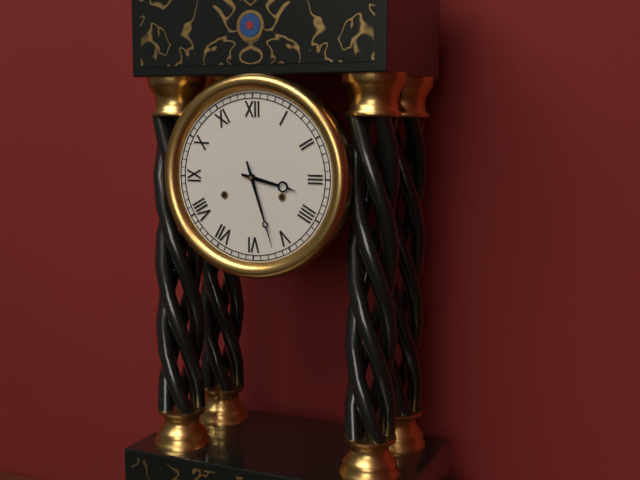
3:27
